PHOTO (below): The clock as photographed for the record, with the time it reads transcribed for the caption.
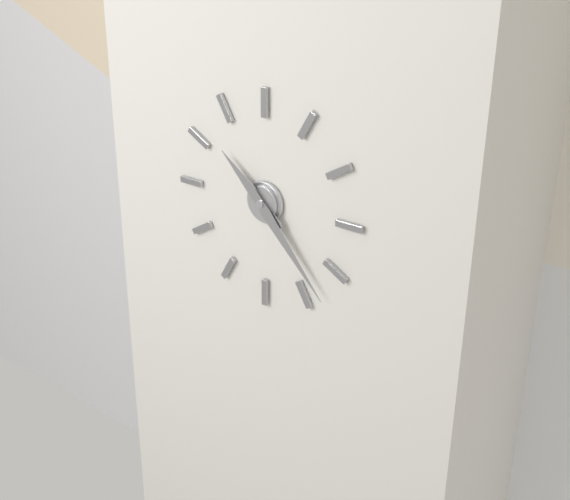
10:23
